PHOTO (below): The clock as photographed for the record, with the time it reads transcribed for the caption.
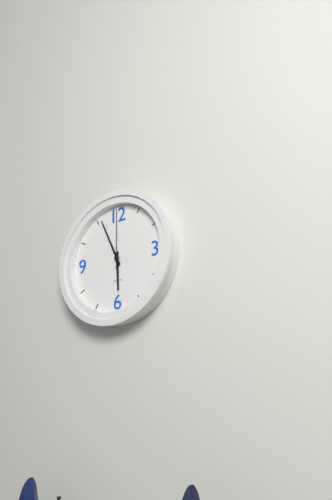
5:56:00
